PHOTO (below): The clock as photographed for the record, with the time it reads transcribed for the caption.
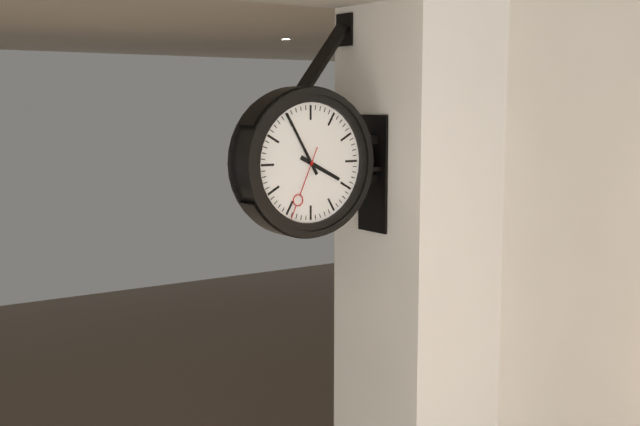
3:55:34
